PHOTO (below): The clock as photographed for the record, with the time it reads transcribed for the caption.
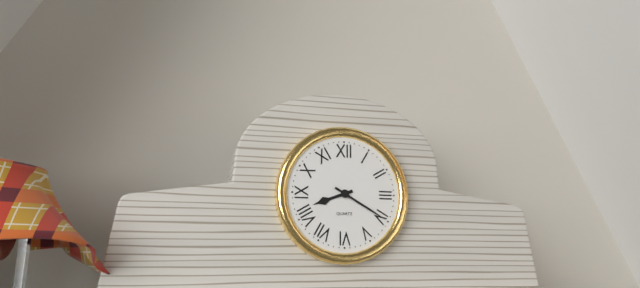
8:20
